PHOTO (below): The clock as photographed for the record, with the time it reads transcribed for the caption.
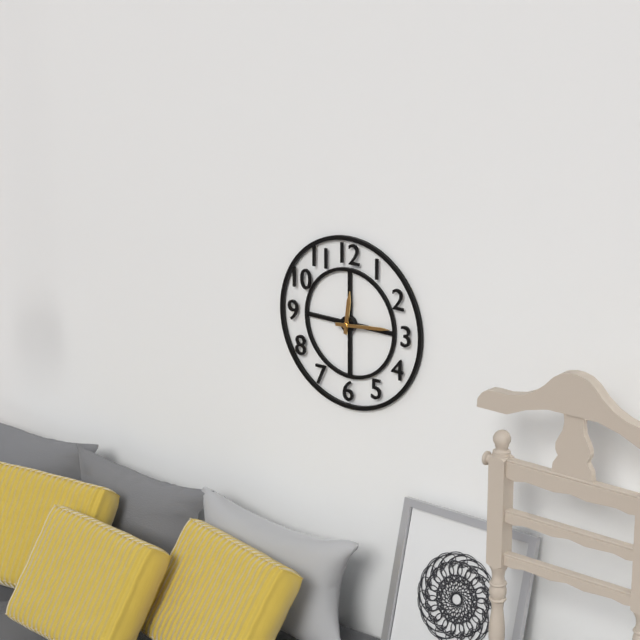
12:14
